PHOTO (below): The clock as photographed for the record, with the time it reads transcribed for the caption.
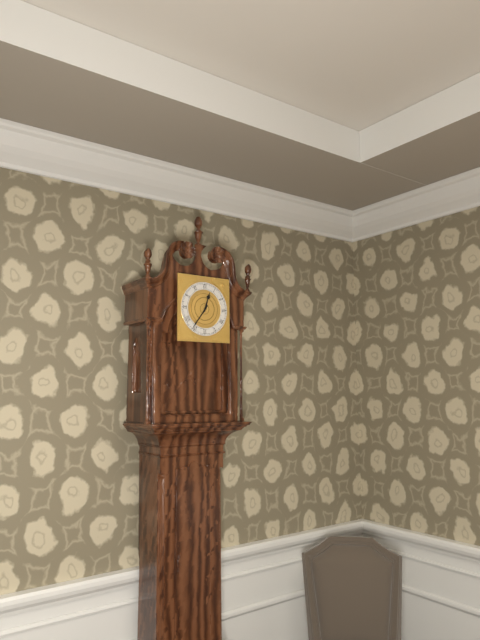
12:36
